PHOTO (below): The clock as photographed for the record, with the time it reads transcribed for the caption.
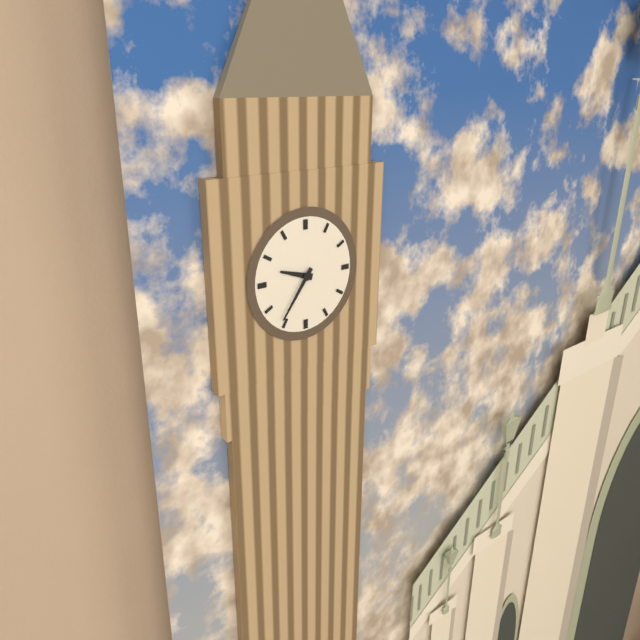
9:36
